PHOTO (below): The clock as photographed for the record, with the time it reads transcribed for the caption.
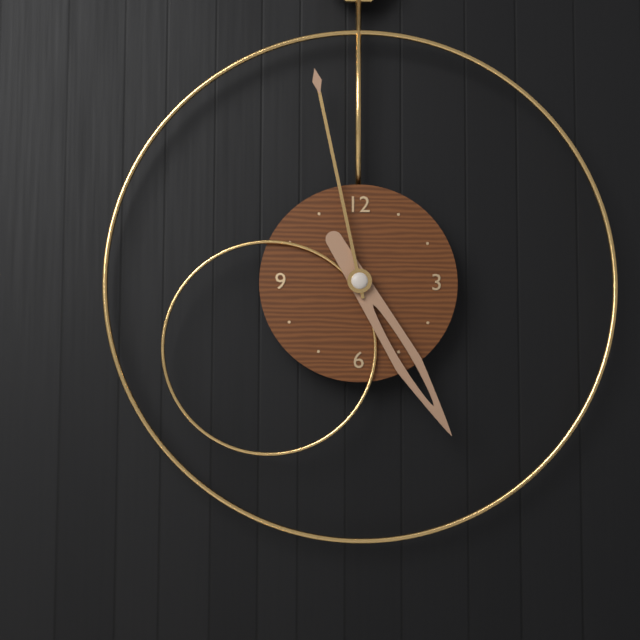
4:58
